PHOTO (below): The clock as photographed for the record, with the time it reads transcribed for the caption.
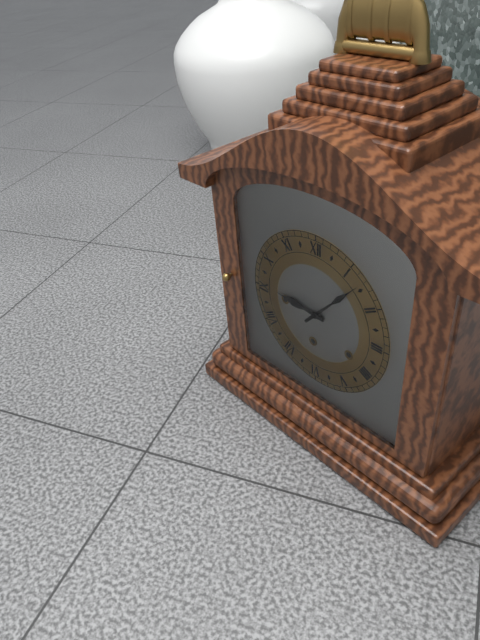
9:07
